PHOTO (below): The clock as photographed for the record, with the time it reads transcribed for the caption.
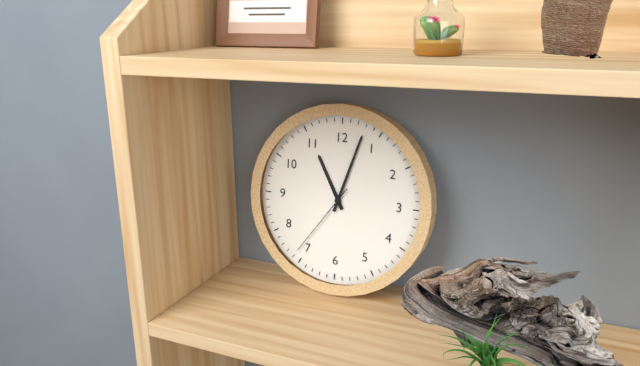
11:03:36
